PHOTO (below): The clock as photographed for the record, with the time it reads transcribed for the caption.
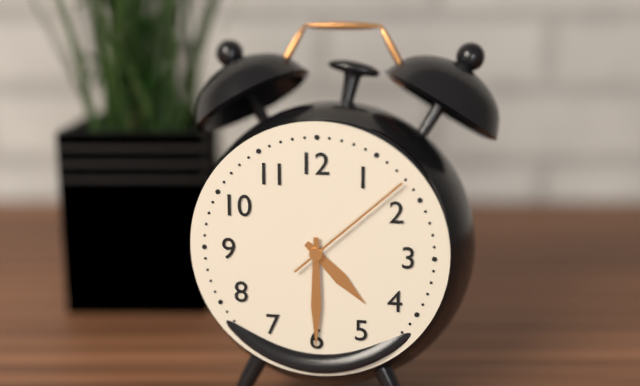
4:30:08
